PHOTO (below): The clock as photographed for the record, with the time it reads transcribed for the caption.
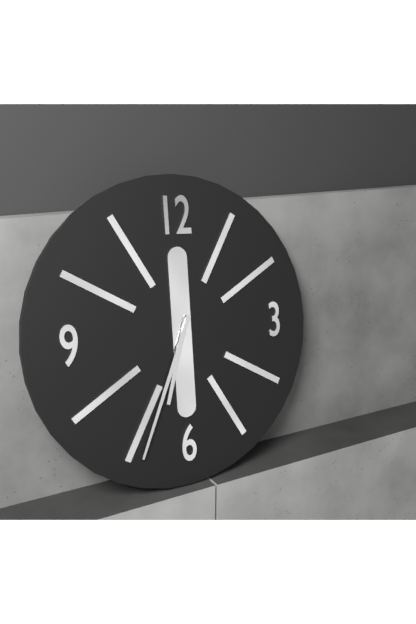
6:34
